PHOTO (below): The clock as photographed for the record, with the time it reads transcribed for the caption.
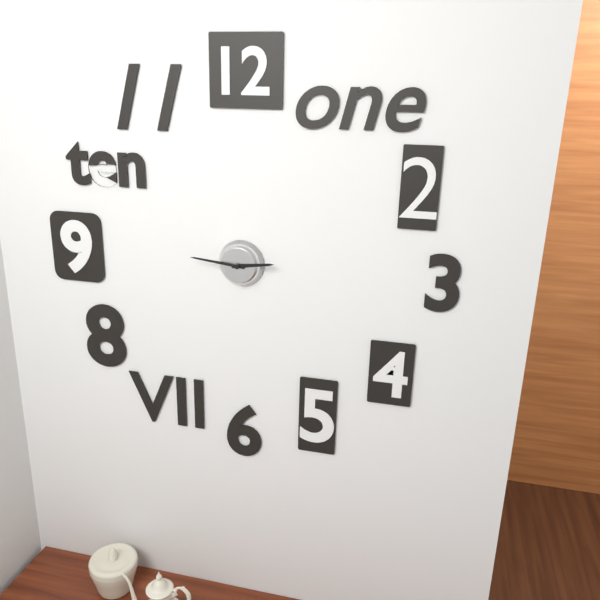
2:46
